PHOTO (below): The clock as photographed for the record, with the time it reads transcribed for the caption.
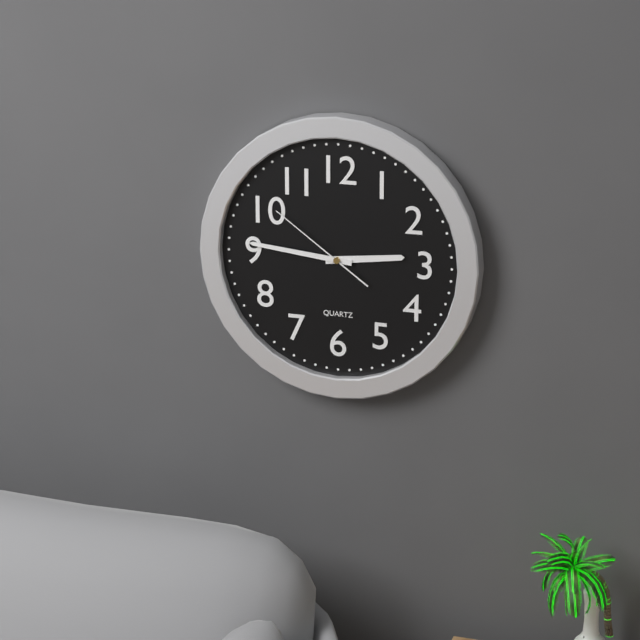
2:46:51
